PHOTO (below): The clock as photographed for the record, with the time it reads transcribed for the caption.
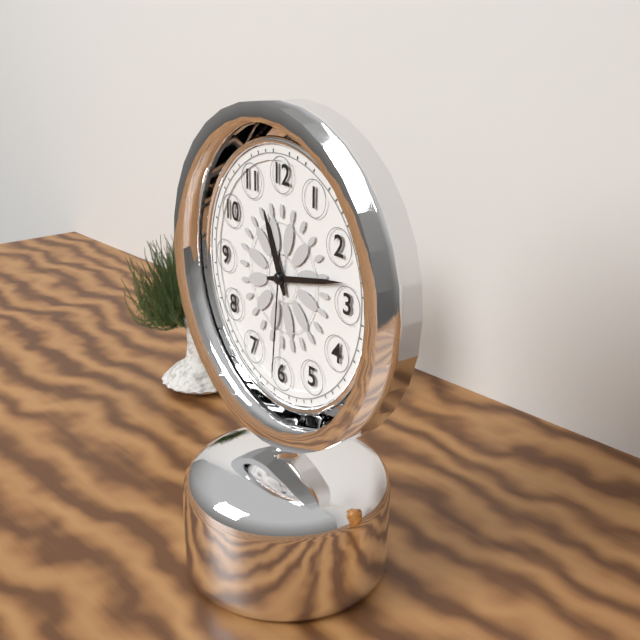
11:13:31
